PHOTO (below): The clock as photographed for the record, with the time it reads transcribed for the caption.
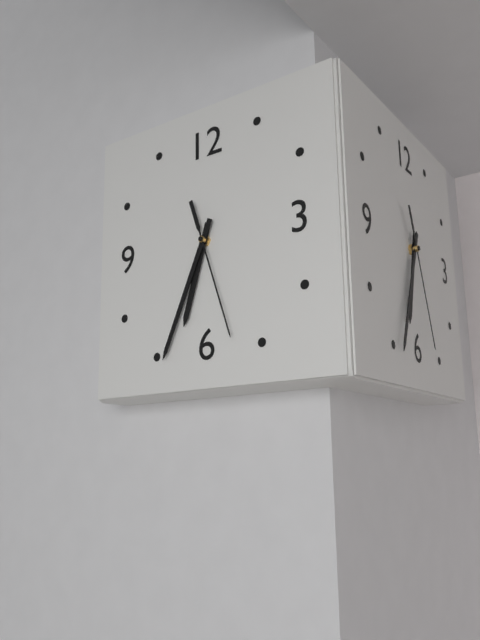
6:34:27
